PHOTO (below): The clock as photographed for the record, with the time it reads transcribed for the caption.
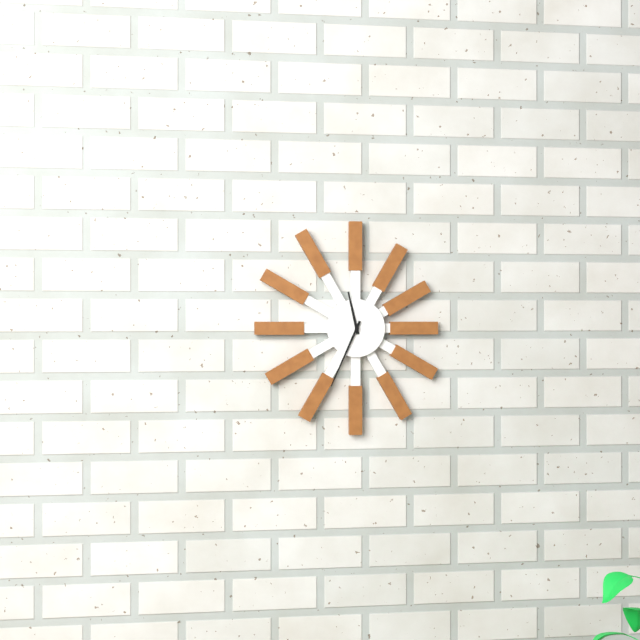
11:34
